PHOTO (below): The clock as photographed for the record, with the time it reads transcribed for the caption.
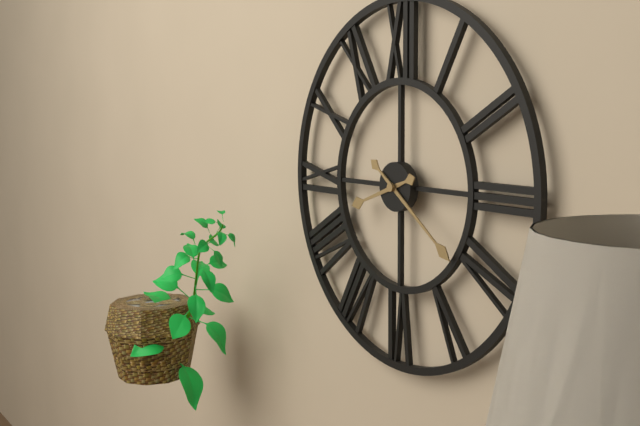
8:21
